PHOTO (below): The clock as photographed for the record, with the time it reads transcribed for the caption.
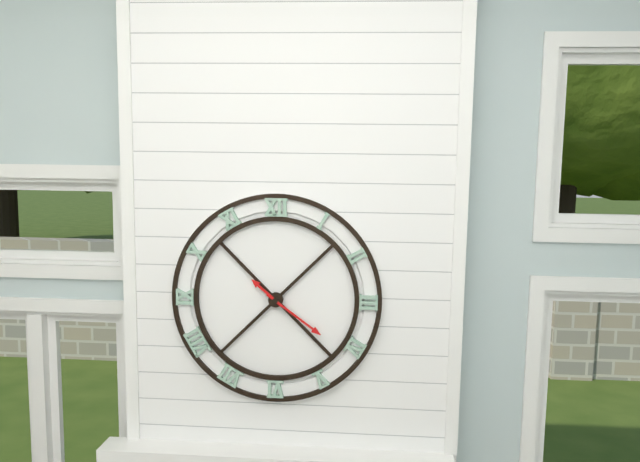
10:21
